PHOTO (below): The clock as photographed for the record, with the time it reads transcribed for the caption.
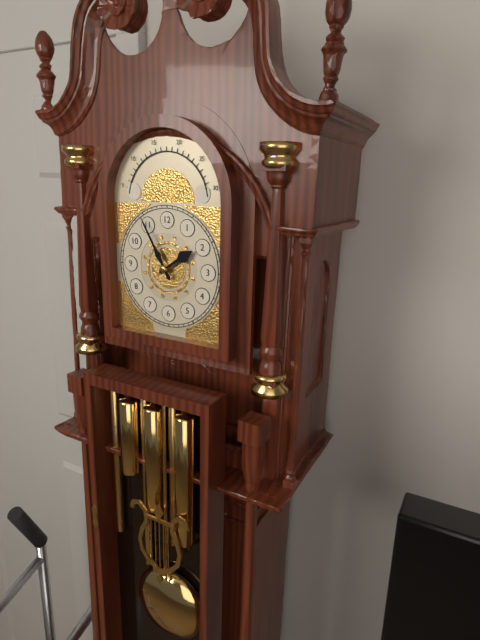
1:55
